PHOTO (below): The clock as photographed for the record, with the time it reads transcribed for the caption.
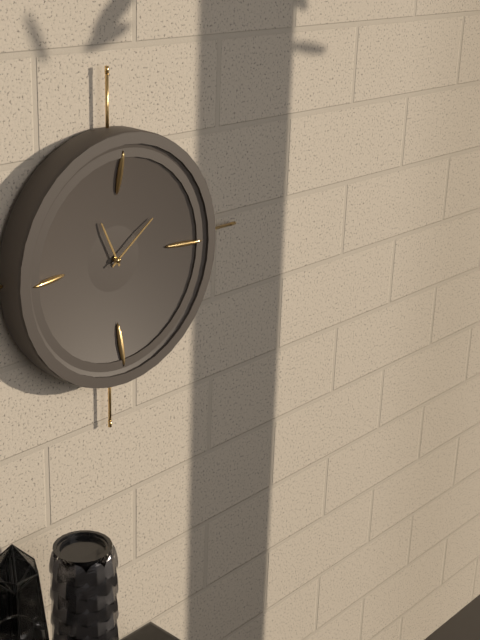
11:09
